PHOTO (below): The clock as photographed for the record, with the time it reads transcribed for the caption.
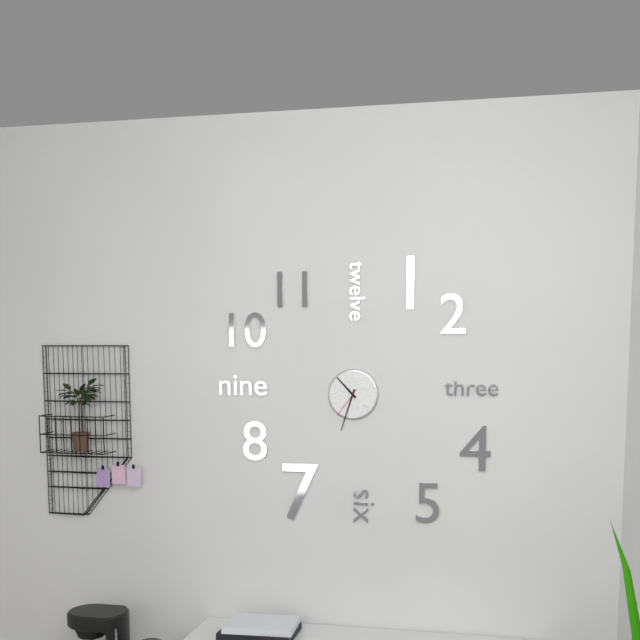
10:33
